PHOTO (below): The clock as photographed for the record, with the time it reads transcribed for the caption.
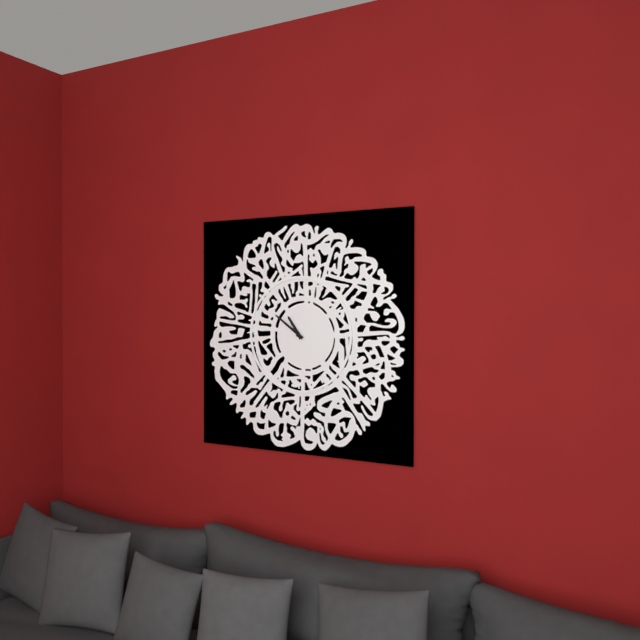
10:51
